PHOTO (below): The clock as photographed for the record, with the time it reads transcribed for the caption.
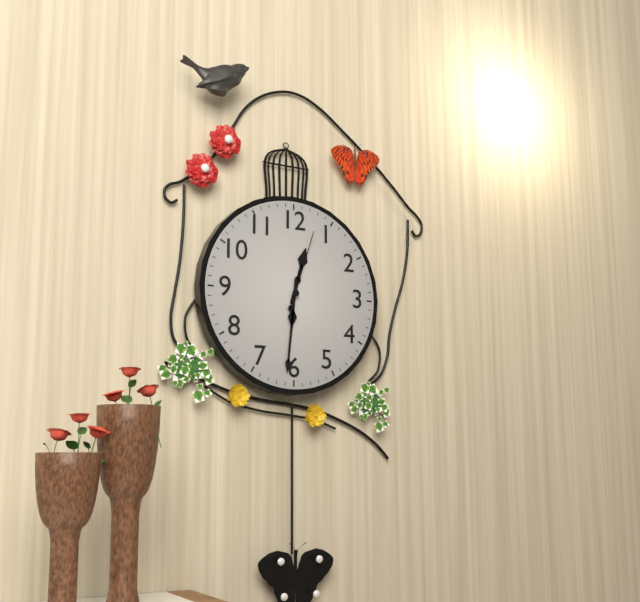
12:31:03
